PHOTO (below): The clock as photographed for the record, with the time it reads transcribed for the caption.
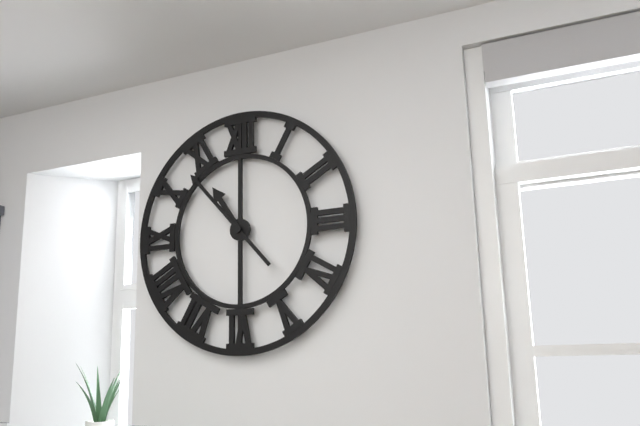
10:53
